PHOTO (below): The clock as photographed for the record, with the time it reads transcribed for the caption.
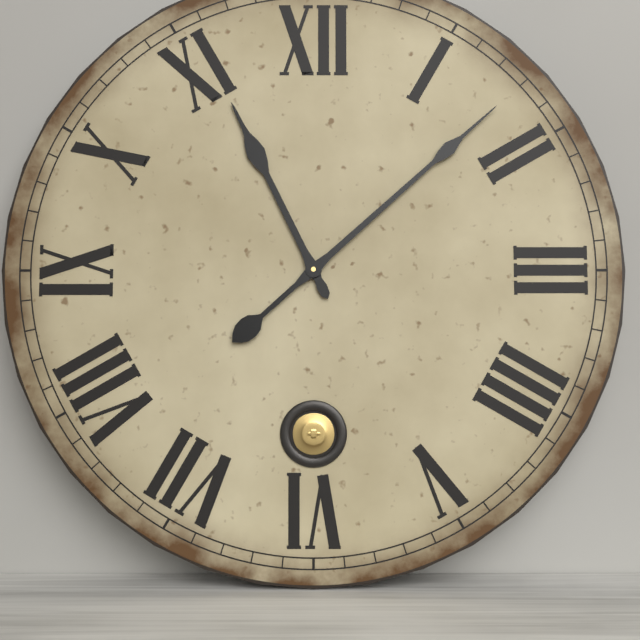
11:08
